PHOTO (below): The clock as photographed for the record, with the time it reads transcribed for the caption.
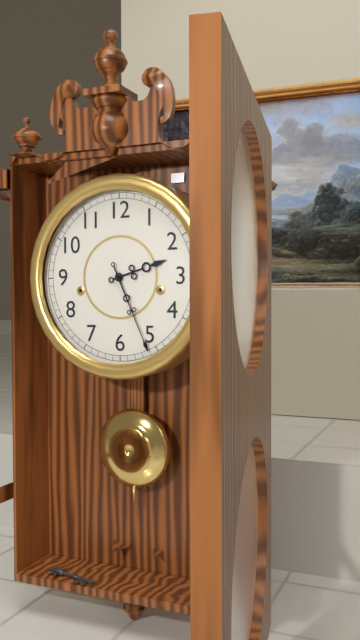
2:26
